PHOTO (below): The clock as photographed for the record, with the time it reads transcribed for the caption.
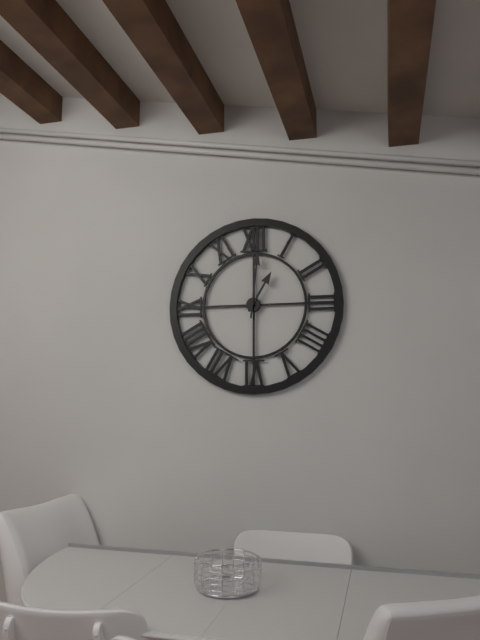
1:01
